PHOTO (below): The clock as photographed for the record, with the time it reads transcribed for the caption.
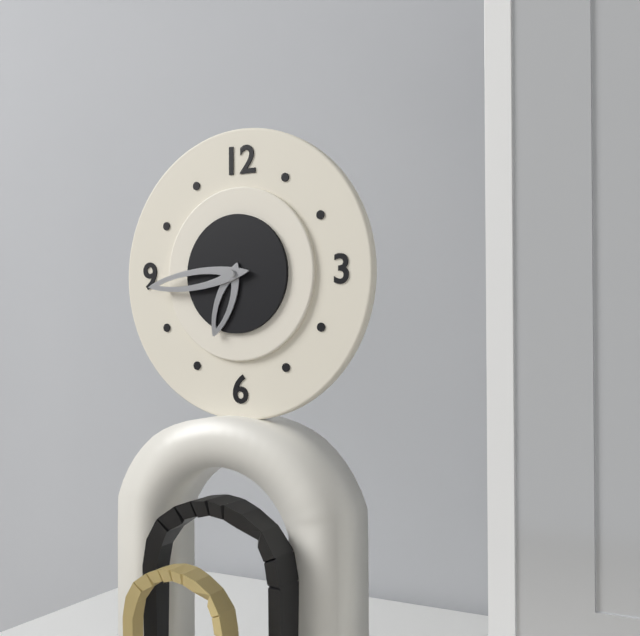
6:44
